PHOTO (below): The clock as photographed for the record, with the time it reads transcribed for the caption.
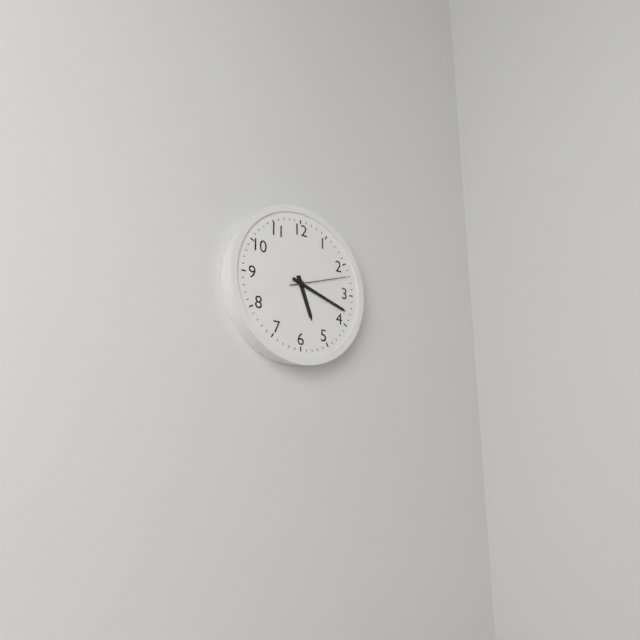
5:18:12
